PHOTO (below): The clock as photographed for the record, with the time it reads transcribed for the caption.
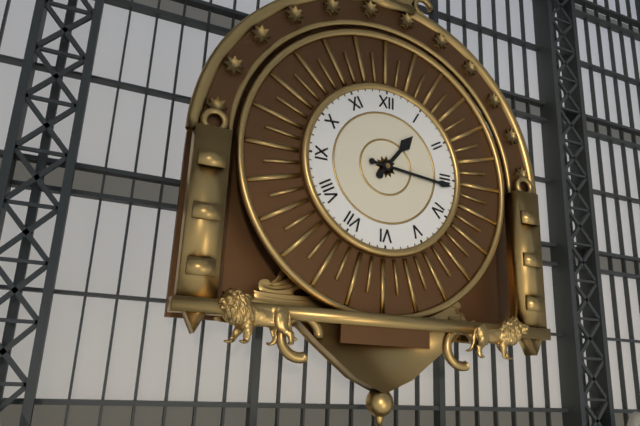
1:16
